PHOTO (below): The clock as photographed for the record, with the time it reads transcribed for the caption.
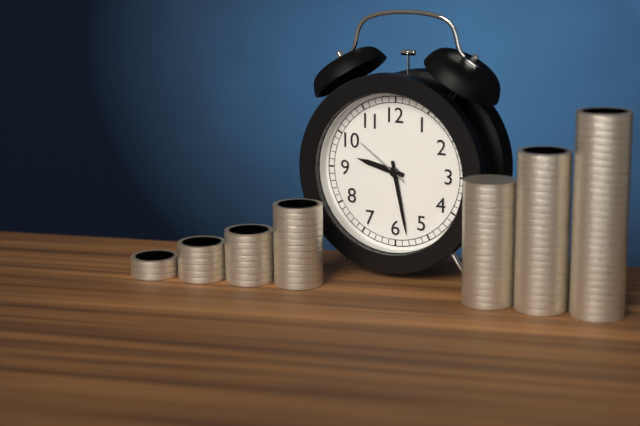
9:28:51
